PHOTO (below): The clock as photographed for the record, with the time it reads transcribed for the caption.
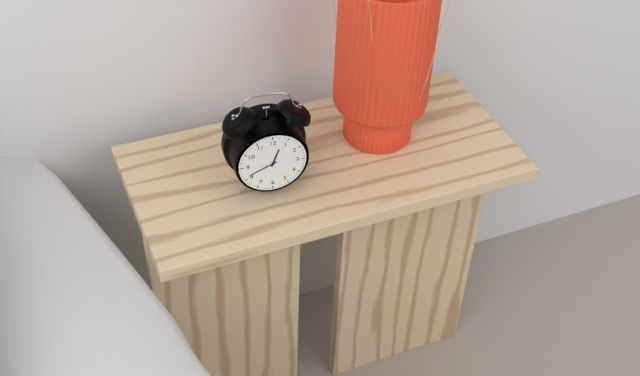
12:41
